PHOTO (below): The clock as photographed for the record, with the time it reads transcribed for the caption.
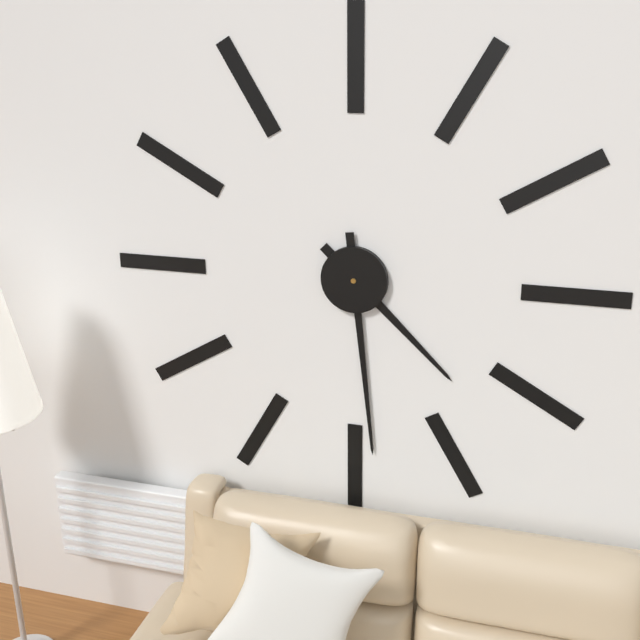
4:29
